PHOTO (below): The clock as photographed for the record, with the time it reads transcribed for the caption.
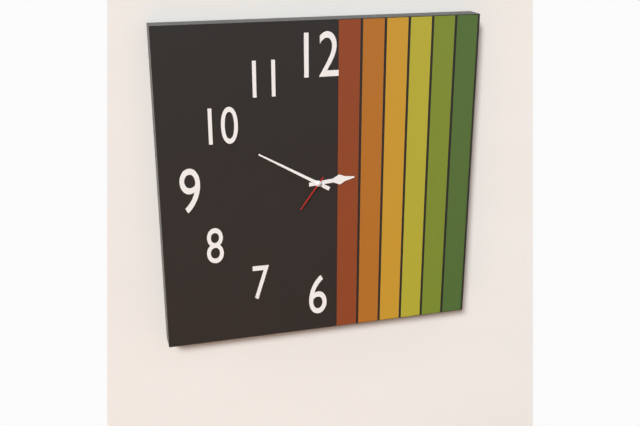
2:50
